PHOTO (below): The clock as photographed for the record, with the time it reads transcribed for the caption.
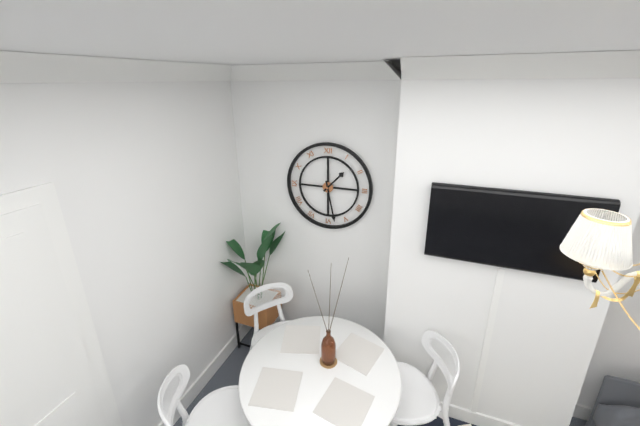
1:28
